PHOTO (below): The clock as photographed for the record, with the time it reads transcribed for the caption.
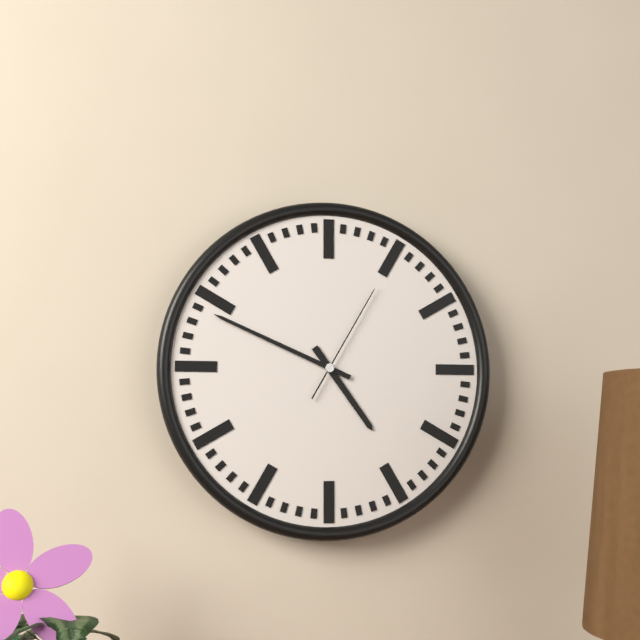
4:49:05
